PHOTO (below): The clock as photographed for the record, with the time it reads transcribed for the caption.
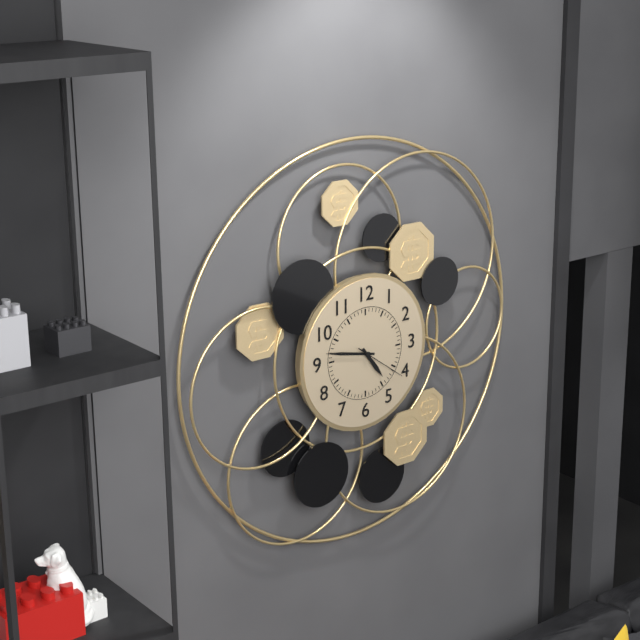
4:47:21
